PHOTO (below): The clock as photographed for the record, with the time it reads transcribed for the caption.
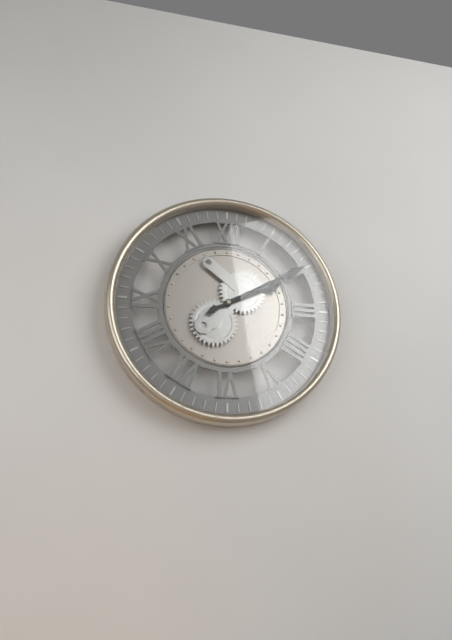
2:10
